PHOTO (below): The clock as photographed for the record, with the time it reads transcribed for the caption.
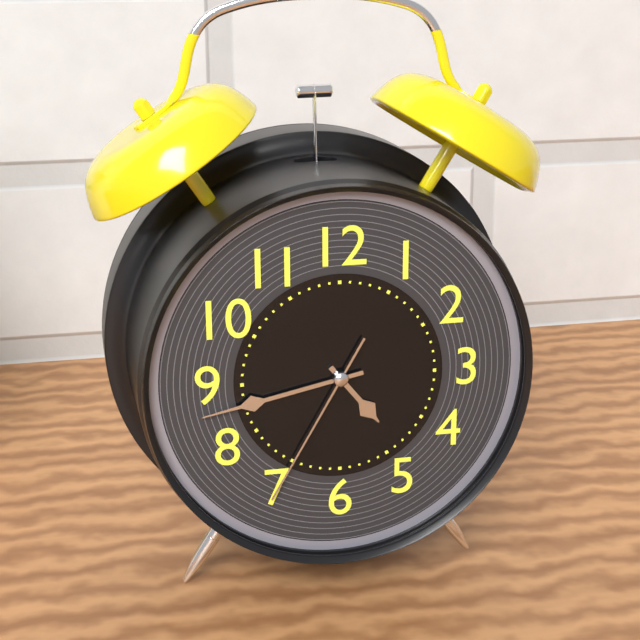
4:43:35
